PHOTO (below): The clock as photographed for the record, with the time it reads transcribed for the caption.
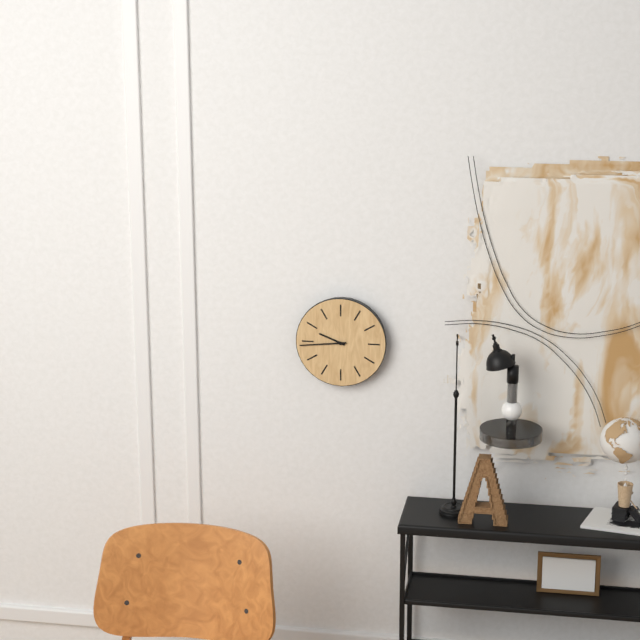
9:44
